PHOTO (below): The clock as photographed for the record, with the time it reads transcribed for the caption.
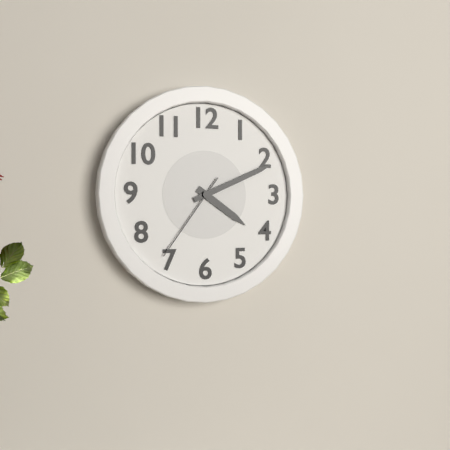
4:11:36
